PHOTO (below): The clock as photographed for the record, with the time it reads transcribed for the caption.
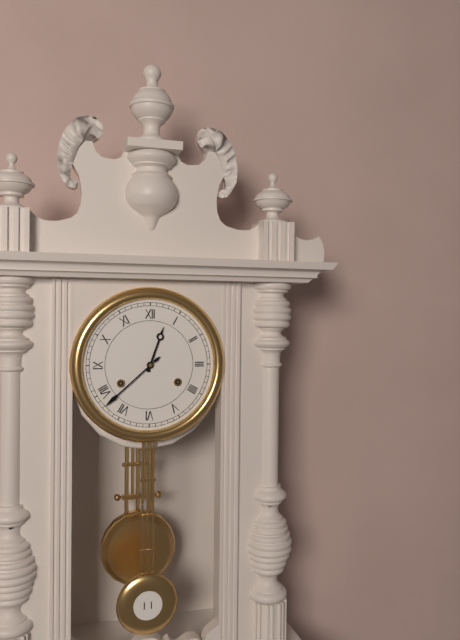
12:38
